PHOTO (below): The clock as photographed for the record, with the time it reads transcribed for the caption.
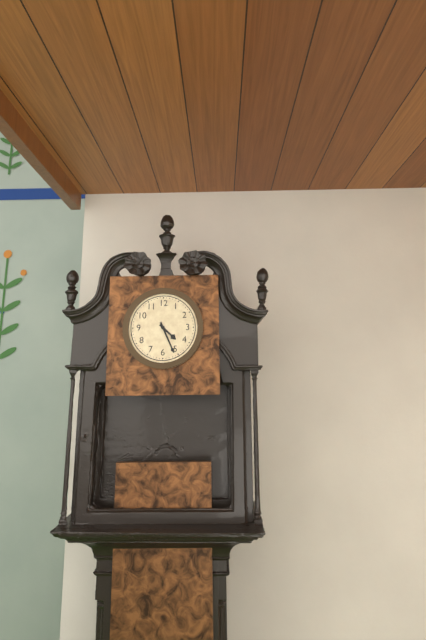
4:26
